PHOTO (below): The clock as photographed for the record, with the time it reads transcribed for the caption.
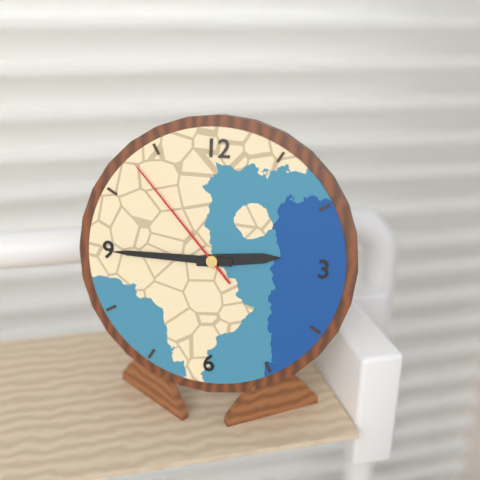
2:45:53
